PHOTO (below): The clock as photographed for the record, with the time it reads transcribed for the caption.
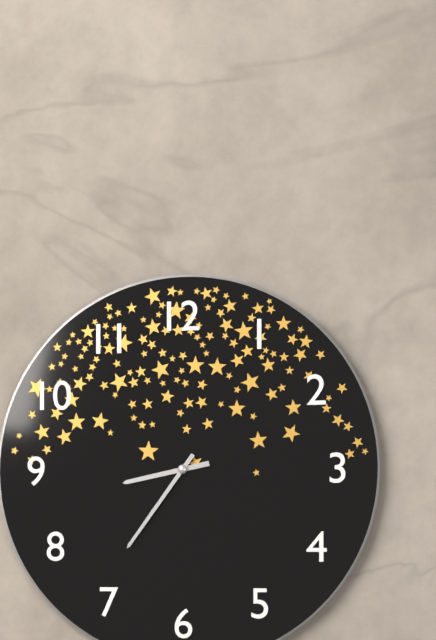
8:36
